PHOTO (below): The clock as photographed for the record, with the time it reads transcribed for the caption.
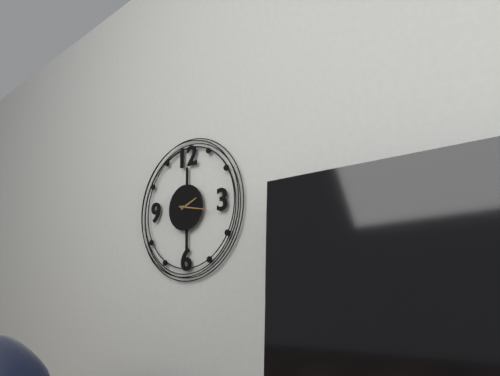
2:17
